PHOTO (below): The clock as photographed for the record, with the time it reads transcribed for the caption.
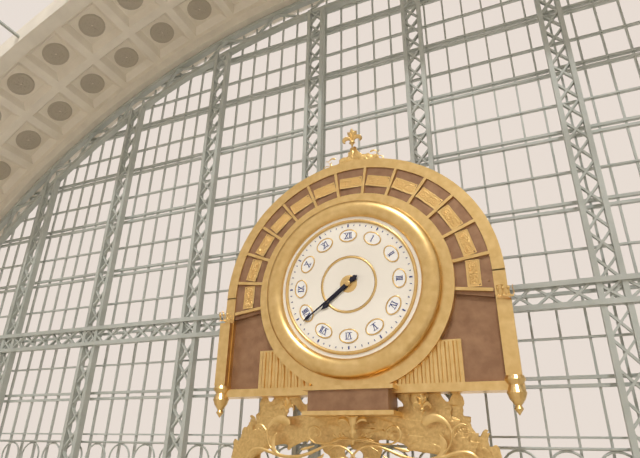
7:39
